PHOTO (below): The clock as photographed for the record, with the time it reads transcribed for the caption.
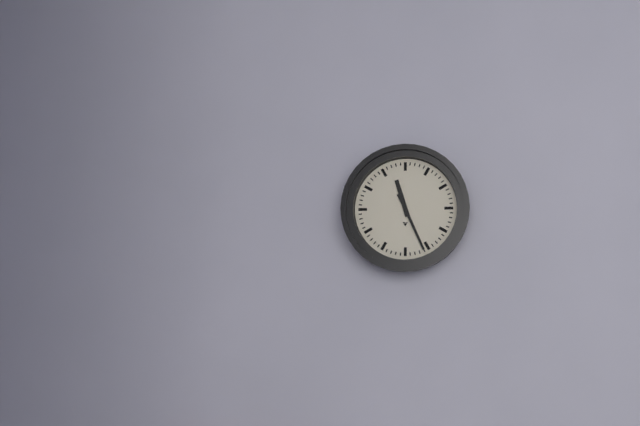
11:26
